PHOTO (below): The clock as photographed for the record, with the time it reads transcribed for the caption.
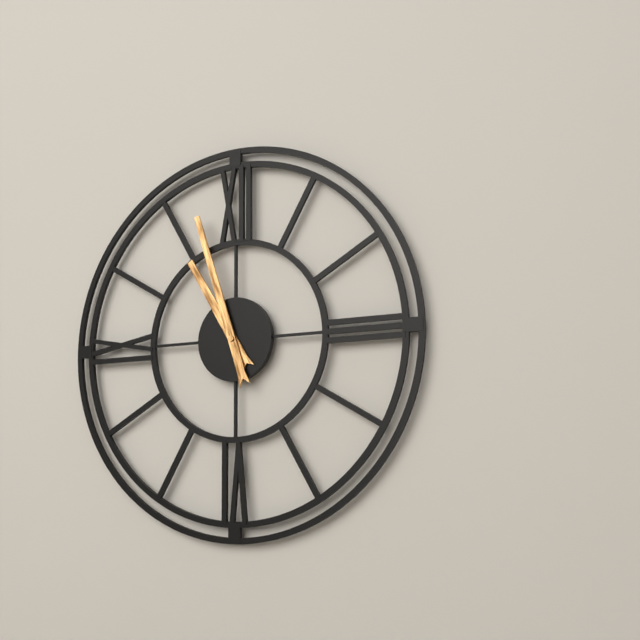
10:57
